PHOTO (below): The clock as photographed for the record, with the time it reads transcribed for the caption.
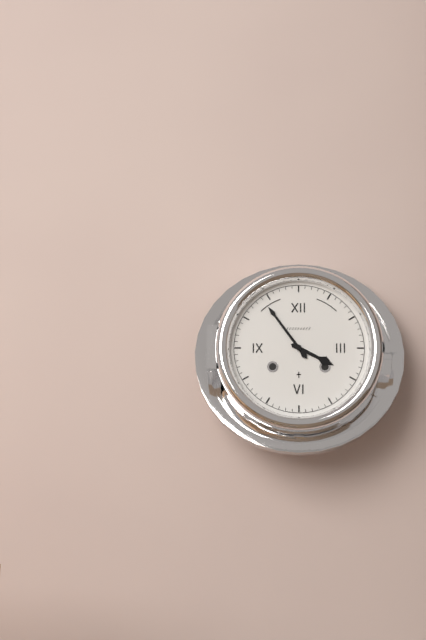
3:54
